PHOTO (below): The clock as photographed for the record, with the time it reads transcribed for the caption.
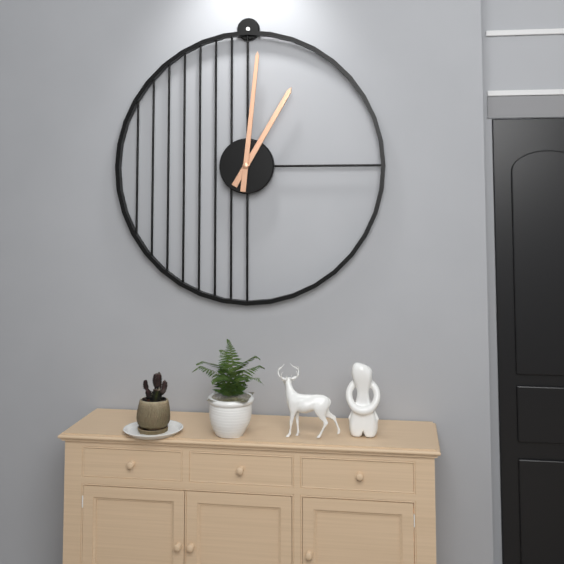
1:01
